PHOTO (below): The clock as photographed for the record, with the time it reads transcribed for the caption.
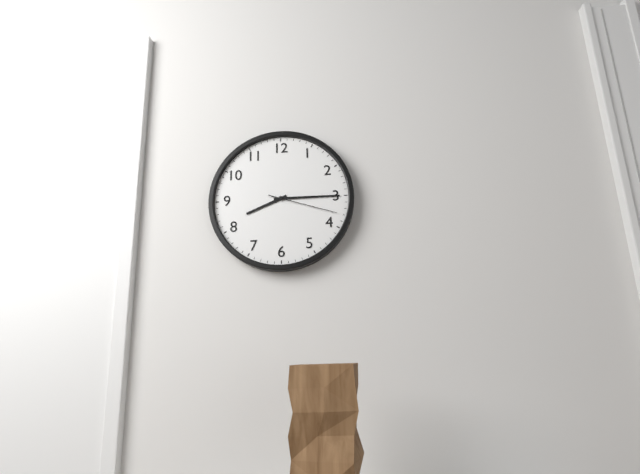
8:15:18
